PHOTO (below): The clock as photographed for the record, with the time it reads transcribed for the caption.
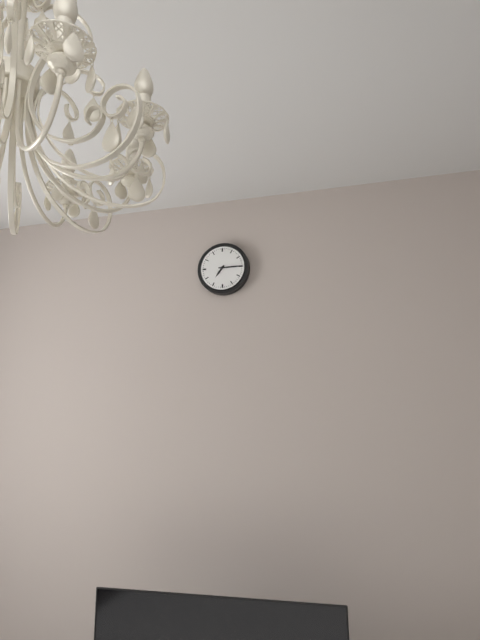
7:15
